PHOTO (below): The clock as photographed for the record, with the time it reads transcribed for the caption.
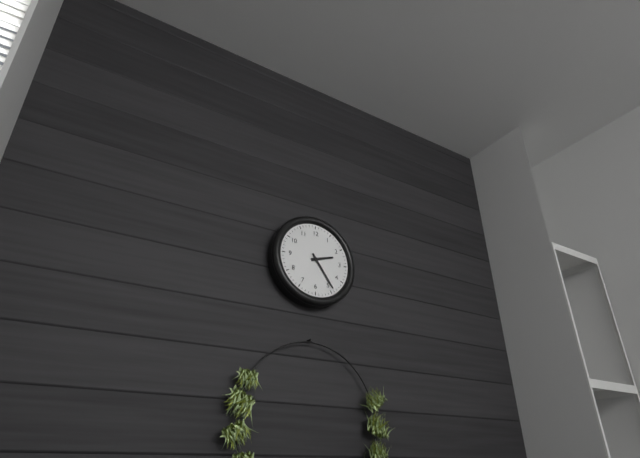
2:24
